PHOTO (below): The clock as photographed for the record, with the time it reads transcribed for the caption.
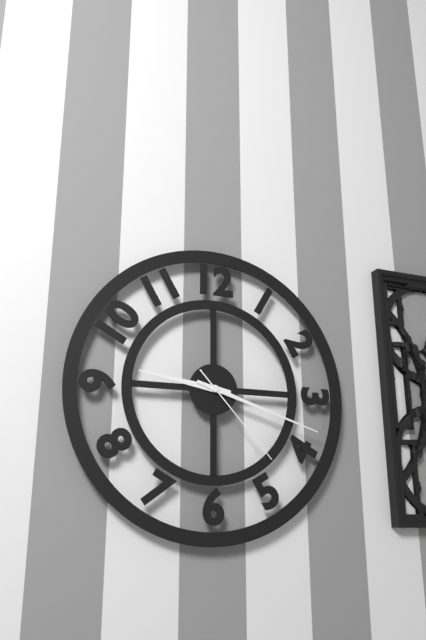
9:18:23
